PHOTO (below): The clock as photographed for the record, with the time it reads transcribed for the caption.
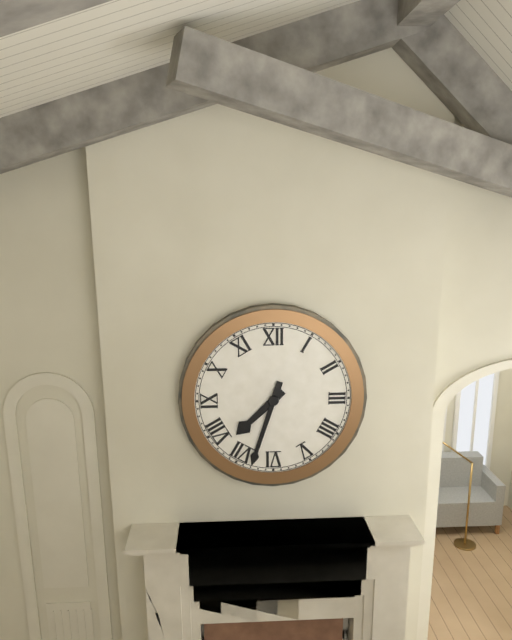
7:33
